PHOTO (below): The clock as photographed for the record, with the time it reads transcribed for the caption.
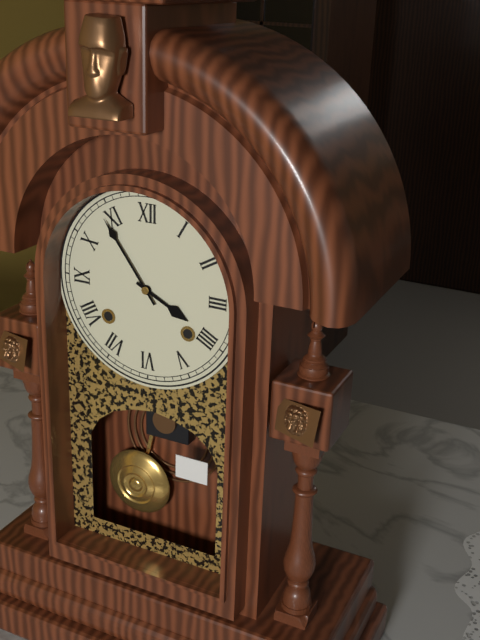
3:54
